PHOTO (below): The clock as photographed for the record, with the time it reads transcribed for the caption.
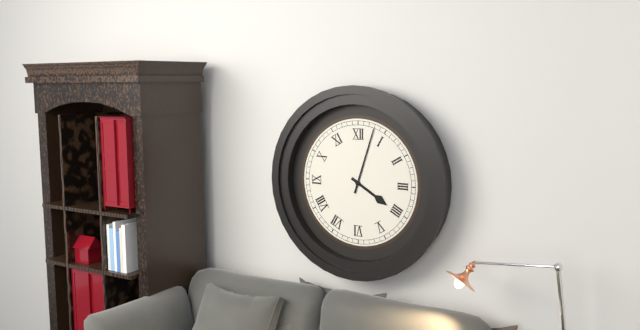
4:03
